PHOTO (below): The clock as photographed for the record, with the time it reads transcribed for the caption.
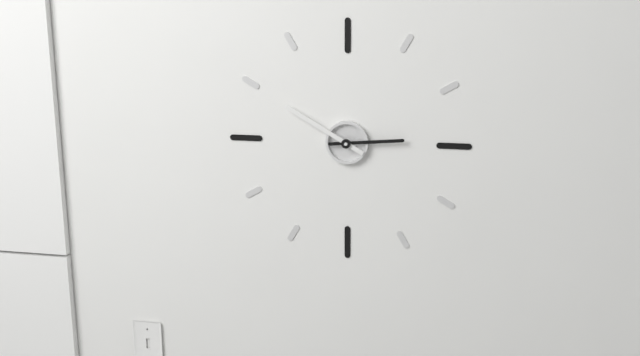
2:50
